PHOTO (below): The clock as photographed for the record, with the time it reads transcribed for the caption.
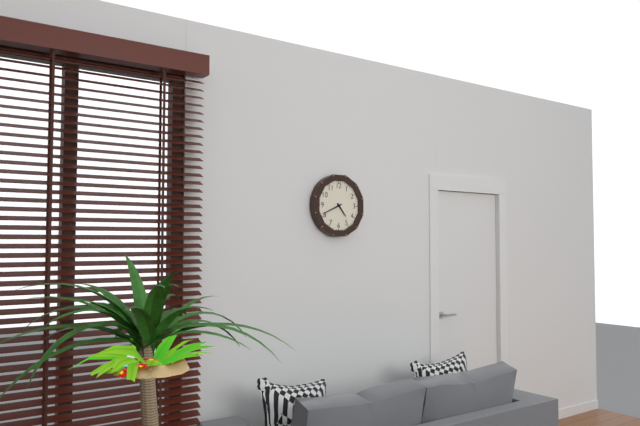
4:41
